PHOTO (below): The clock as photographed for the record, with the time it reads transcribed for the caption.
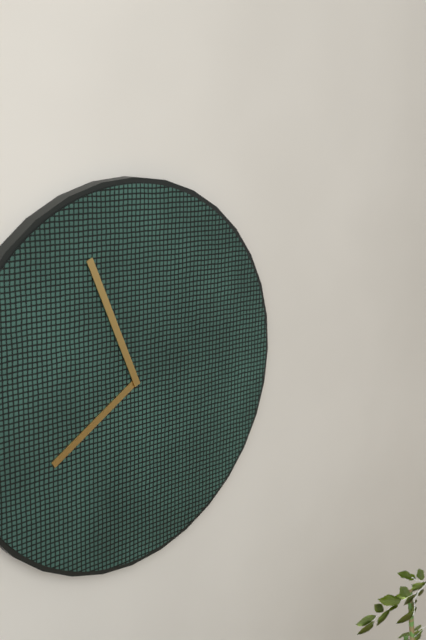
7:56
